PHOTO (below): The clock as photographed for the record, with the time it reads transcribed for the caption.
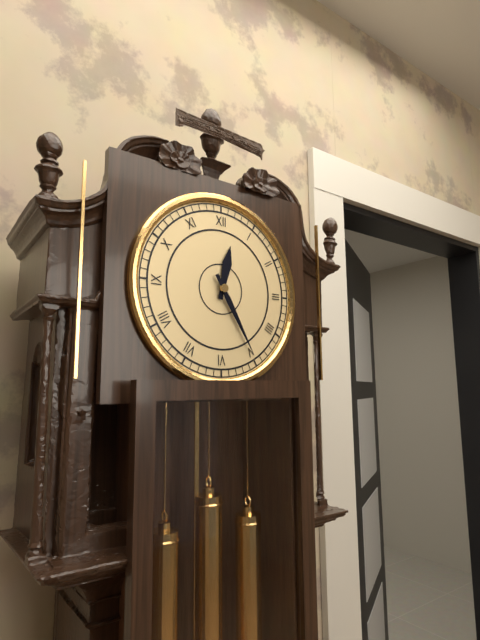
12:25
